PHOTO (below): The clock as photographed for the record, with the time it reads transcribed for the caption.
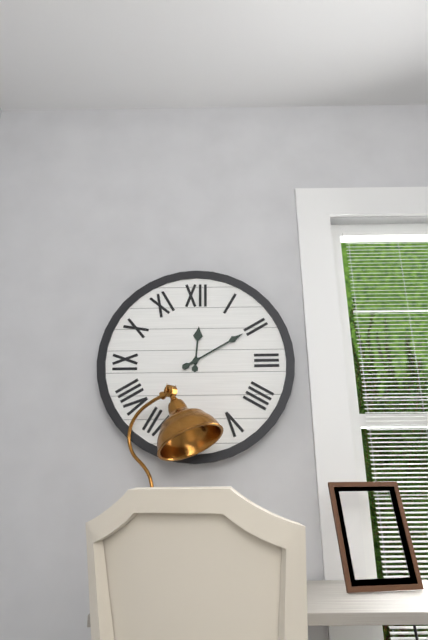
12:10
